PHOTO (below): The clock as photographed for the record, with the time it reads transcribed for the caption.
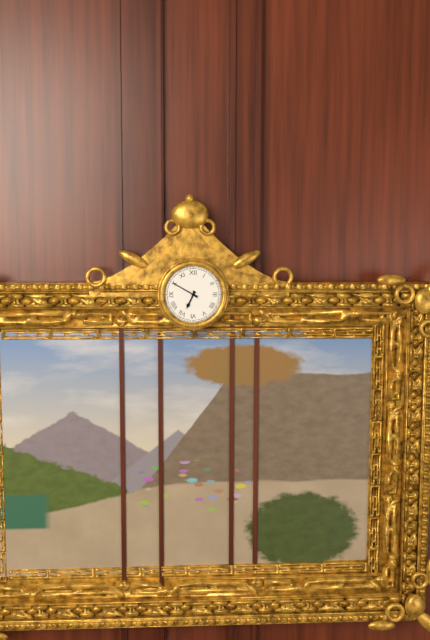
6:50
